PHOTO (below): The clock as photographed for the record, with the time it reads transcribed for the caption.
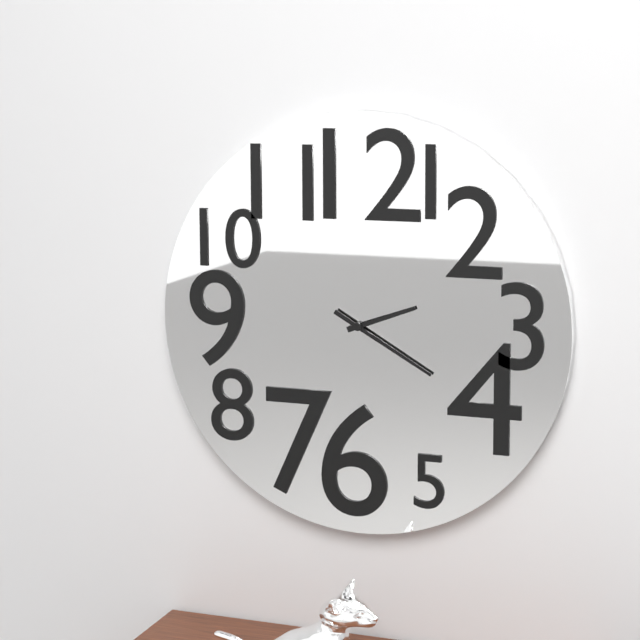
2:20
